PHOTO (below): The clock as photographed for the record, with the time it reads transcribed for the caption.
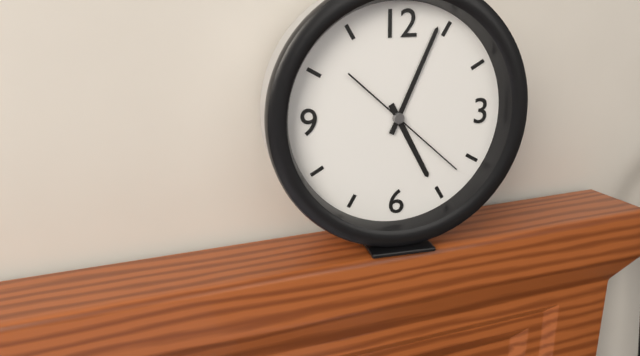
5:04:22
